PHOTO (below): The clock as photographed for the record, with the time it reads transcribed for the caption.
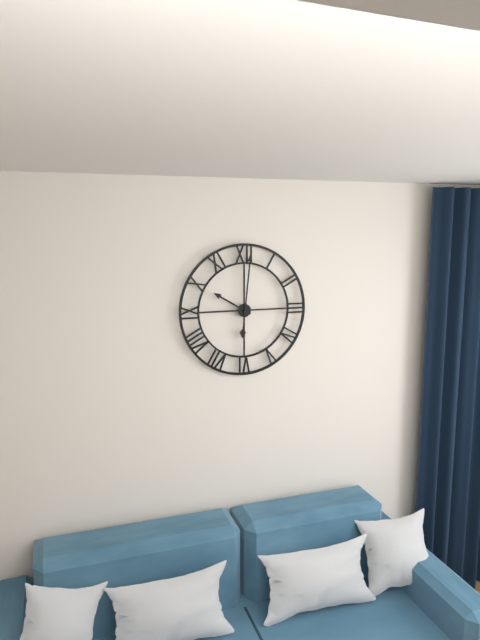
10:01
